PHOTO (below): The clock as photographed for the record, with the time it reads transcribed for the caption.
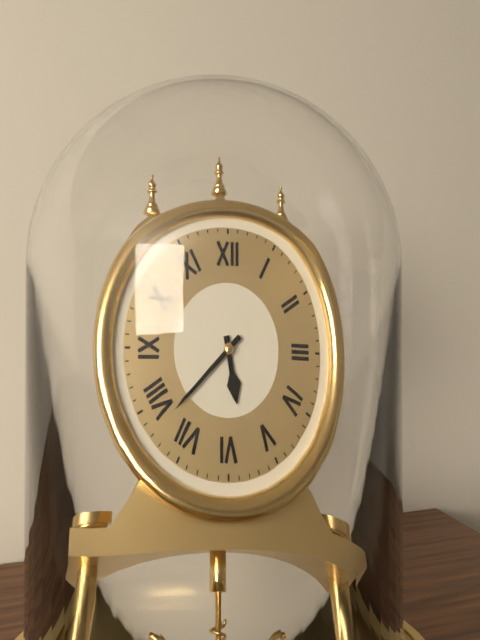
5:38
